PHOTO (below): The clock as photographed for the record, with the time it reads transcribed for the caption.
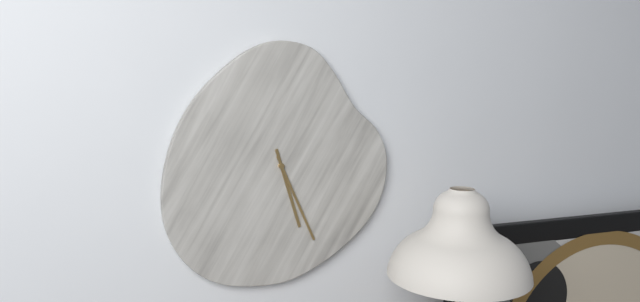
5:26
